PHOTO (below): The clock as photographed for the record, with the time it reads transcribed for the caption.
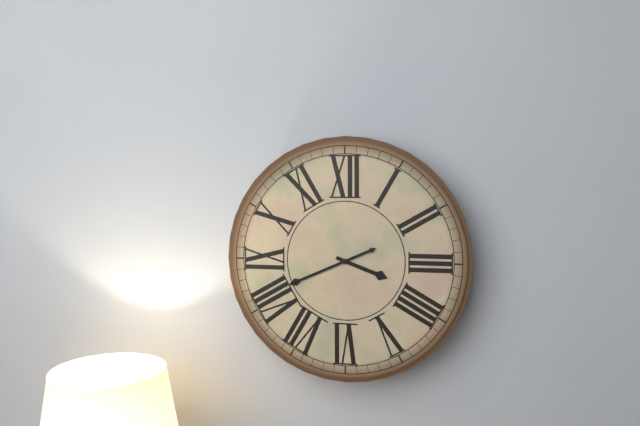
3:41
